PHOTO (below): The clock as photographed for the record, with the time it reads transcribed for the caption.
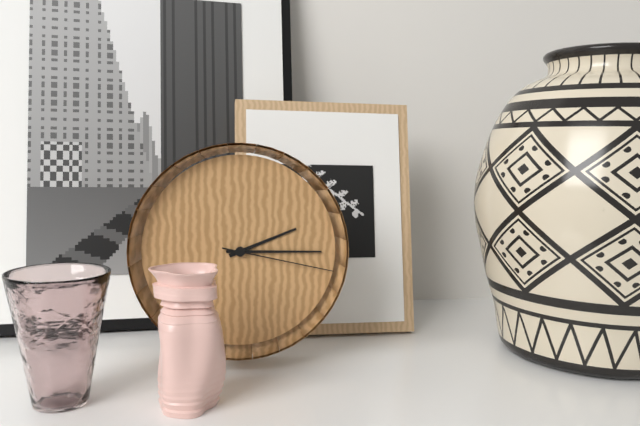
2:15:17
